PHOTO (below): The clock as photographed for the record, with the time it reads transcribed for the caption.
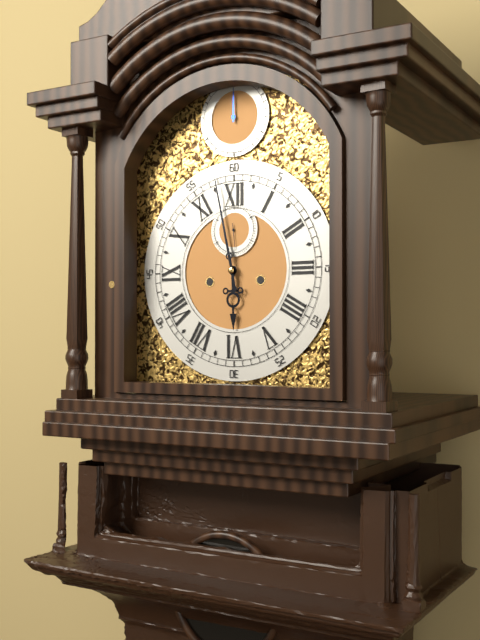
5:58
